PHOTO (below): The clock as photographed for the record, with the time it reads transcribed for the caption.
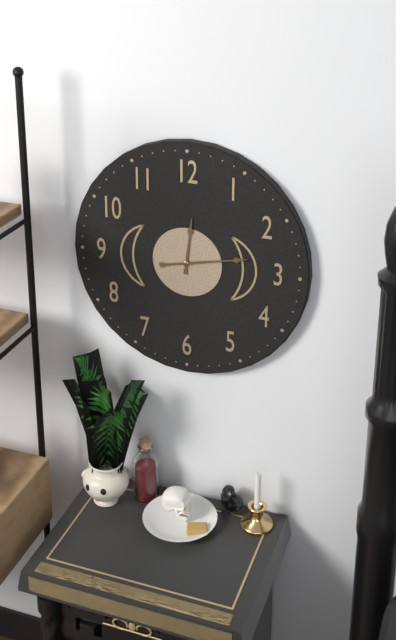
12:13
